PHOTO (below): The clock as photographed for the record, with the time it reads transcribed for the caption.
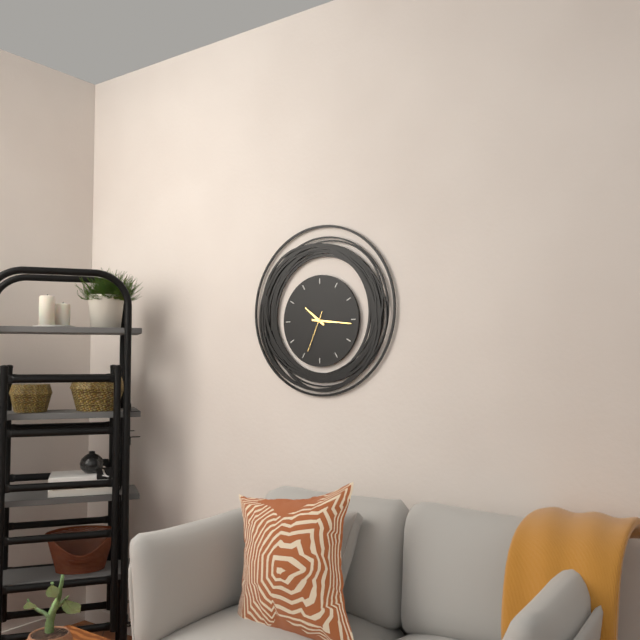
10:16
